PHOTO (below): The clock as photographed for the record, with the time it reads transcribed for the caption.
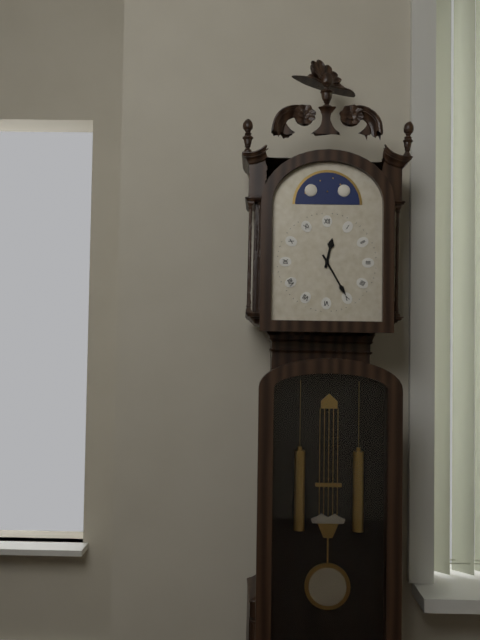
12:25
